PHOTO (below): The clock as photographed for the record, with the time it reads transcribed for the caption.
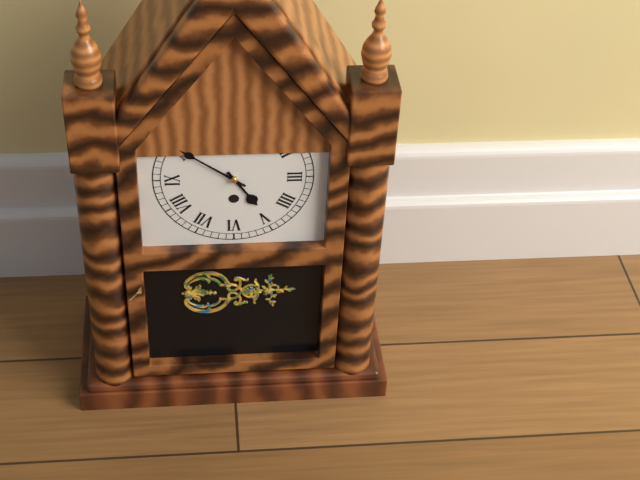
4:51
